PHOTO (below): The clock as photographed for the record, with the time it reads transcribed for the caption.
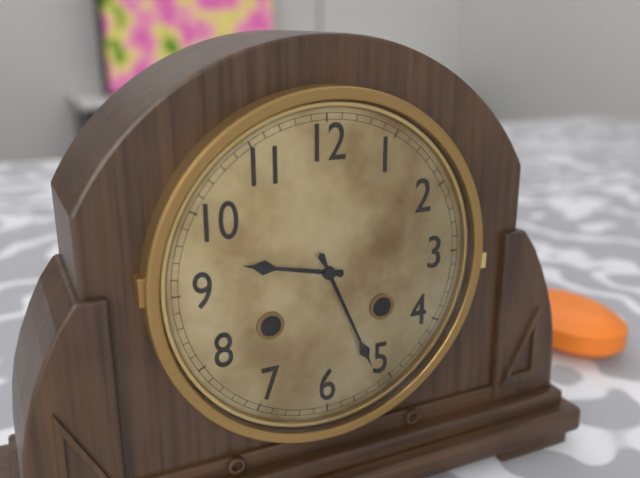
9:26
